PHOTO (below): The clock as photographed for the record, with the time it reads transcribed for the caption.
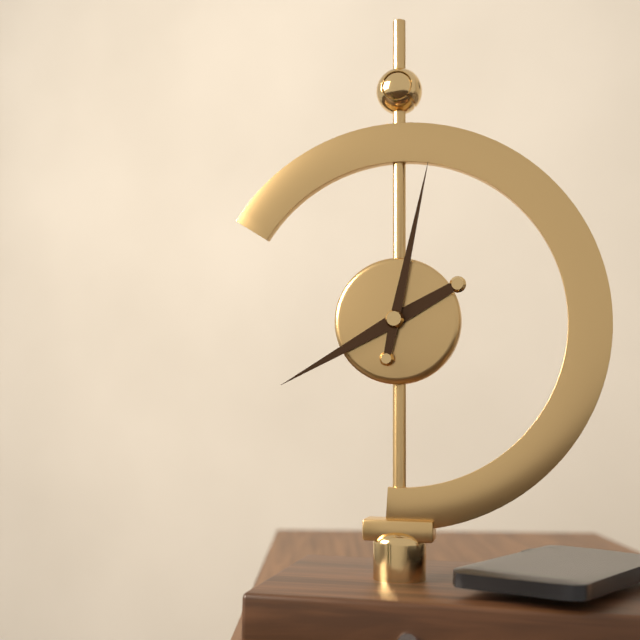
8:02
